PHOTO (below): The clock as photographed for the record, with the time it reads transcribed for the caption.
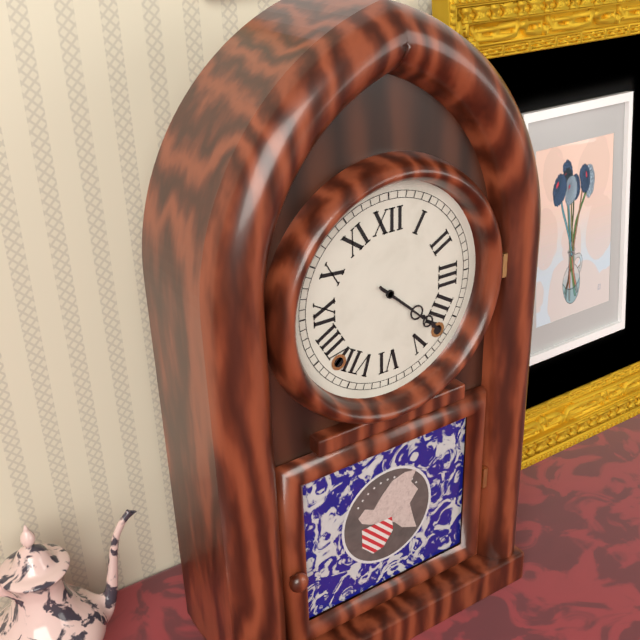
4:22
